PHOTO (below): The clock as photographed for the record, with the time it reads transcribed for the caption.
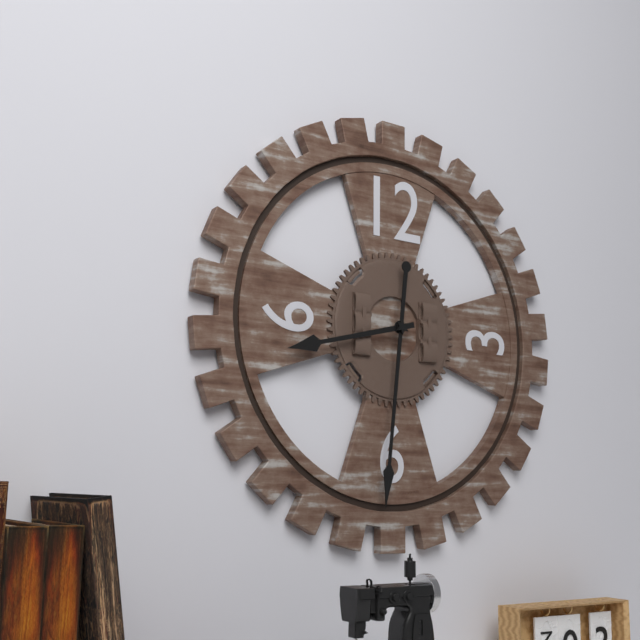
8:31
